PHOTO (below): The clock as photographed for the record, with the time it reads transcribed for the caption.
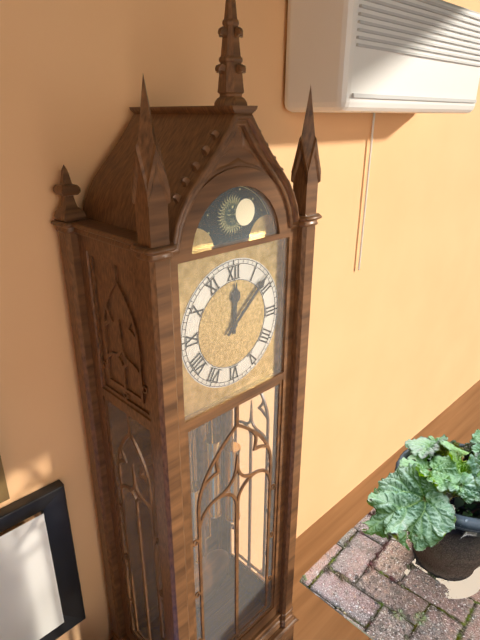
12:08
